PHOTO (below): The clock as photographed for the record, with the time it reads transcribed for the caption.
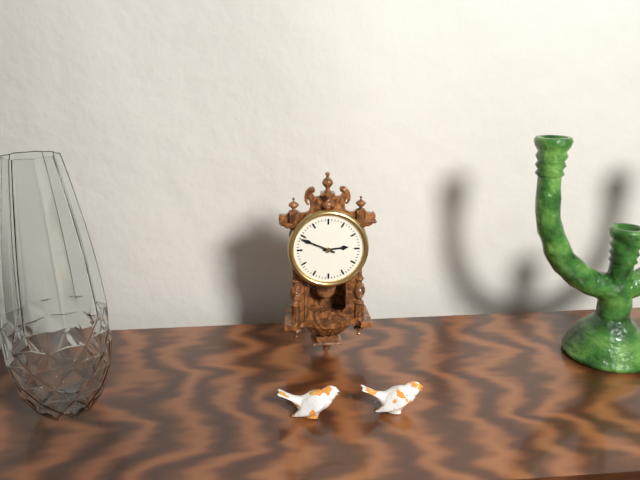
2:49
